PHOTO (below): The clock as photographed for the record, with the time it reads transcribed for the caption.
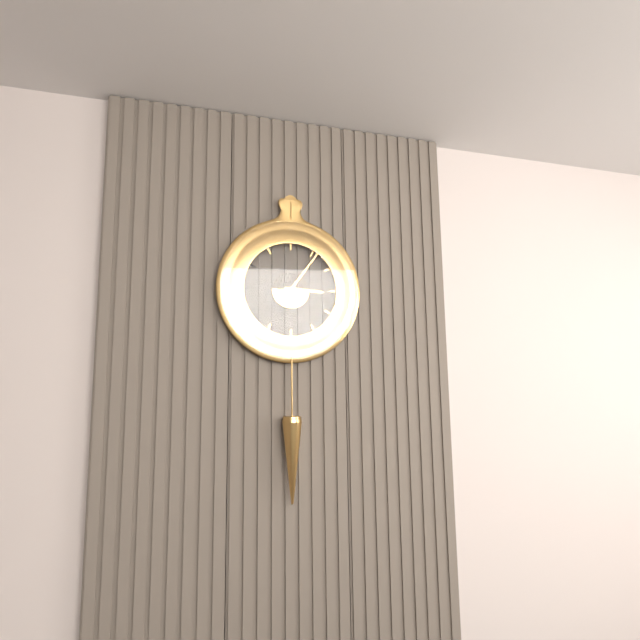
3:06
